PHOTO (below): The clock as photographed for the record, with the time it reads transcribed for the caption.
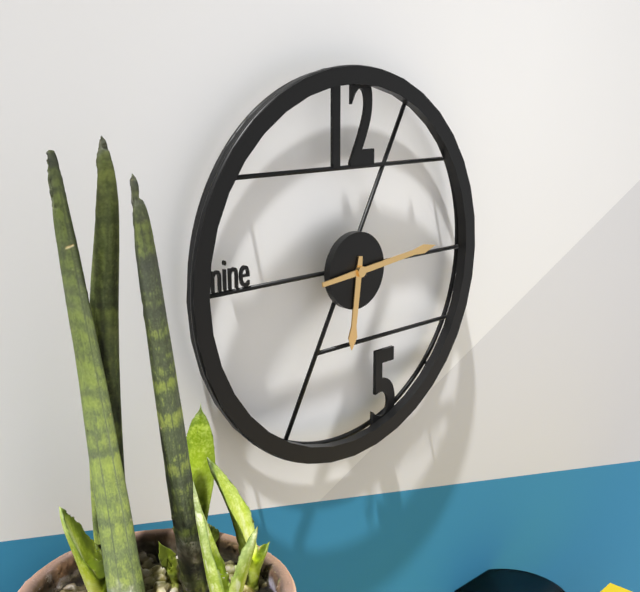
6:14
